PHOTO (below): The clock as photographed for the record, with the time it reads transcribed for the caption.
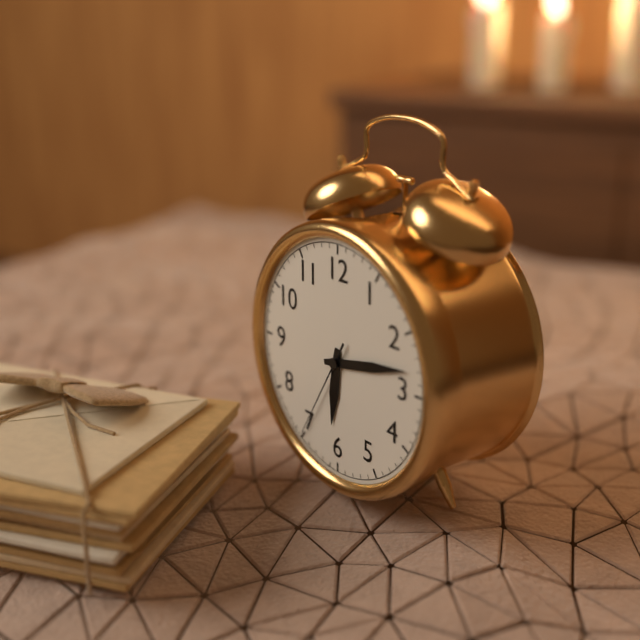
6:13:35
